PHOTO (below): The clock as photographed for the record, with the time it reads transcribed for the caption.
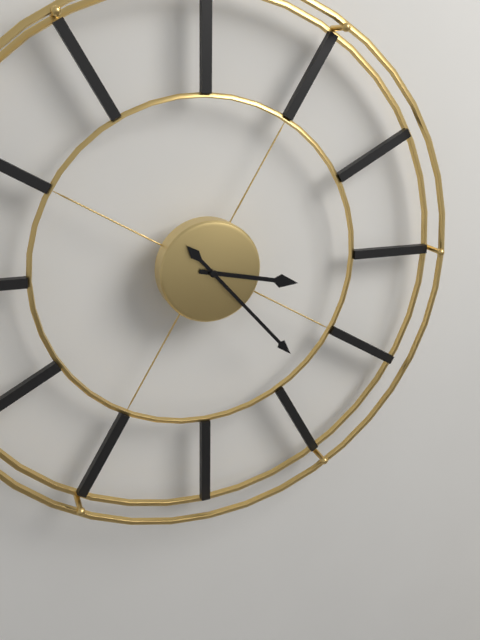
3:23
